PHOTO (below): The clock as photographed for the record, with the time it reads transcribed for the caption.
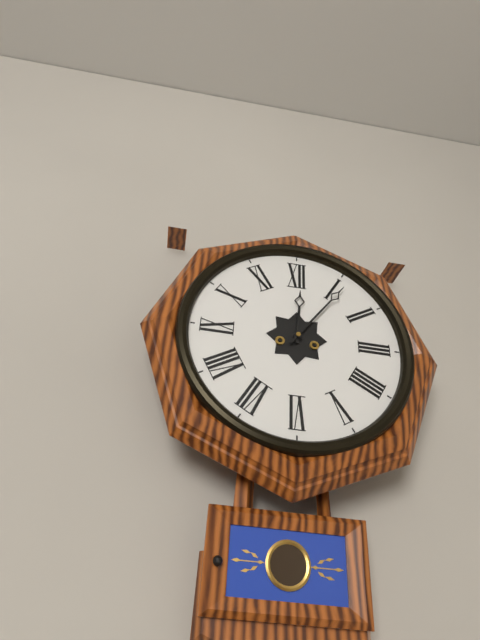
12:06
